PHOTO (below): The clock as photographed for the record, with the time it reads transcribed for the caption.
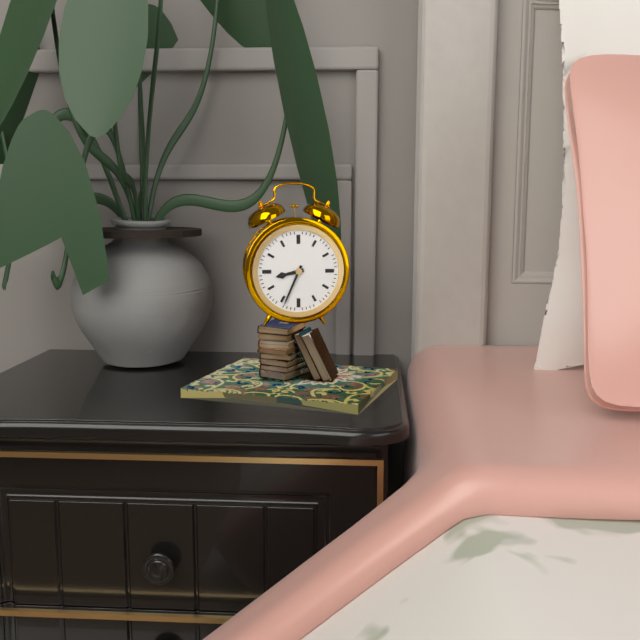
8:34
